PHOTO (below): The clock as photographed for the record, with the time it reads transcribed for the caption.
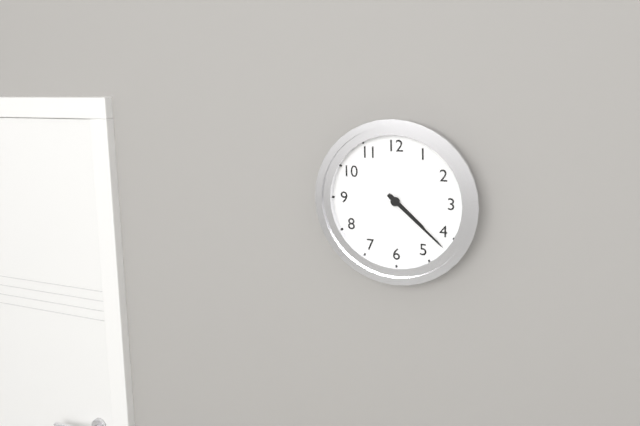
4:22
